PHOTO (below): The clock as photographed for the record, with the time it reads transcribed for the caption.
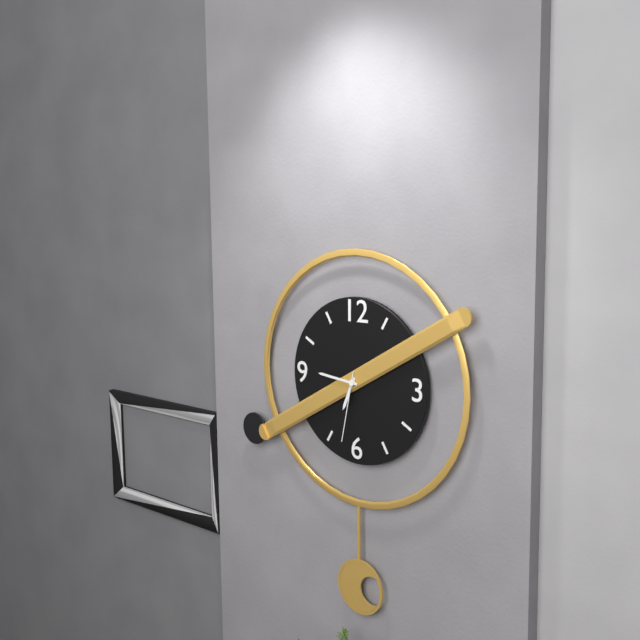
6:46:32
